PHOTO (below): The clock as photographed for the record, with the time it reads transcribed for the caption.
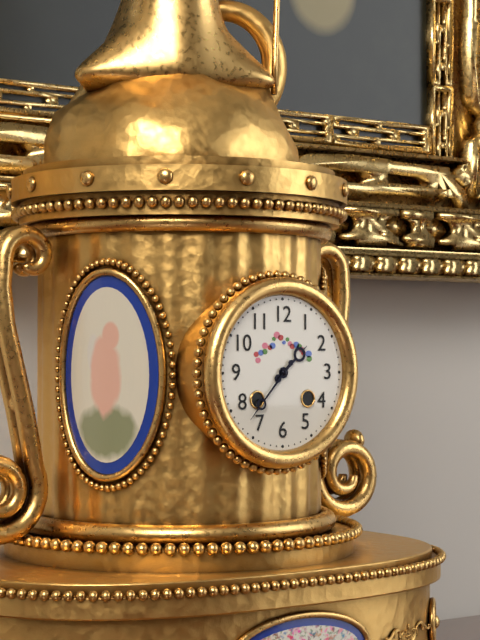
1:37
